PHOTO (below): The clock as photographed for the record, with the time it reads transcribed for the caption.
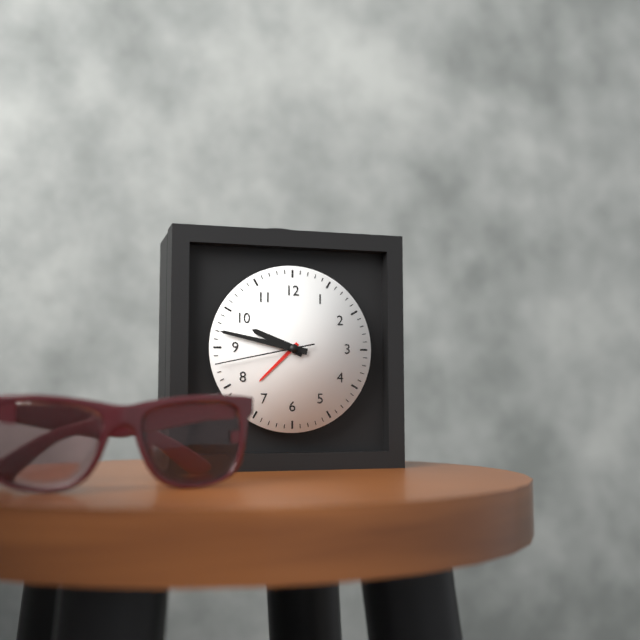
9:47:43
